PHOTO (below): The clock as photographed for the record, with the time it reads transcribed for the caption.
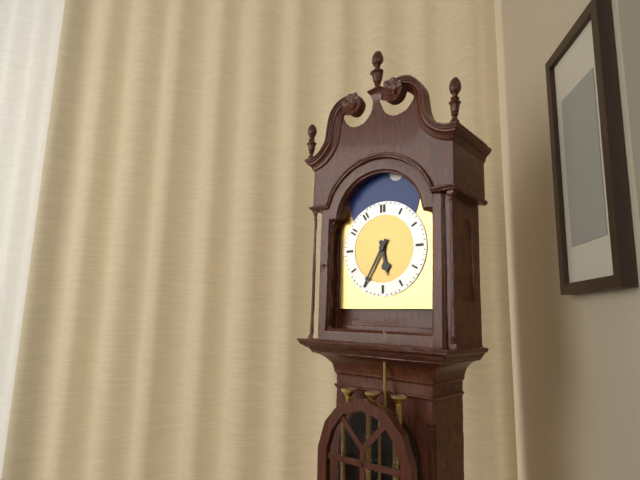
5:35
